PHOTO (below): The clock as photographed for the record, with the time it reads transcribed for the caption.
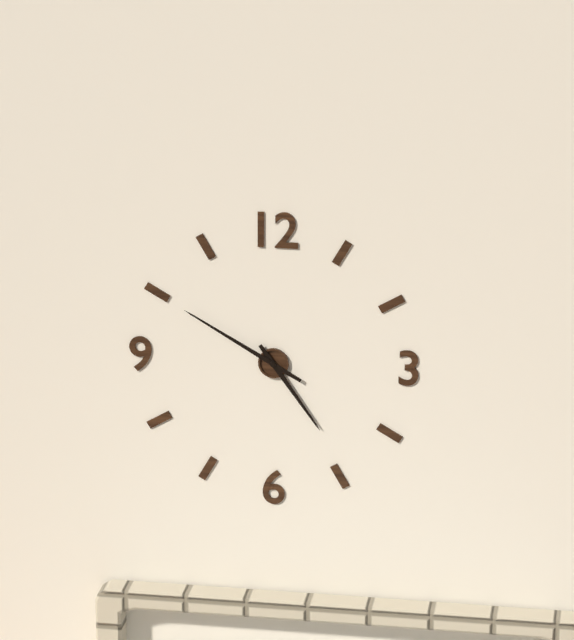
4:50
